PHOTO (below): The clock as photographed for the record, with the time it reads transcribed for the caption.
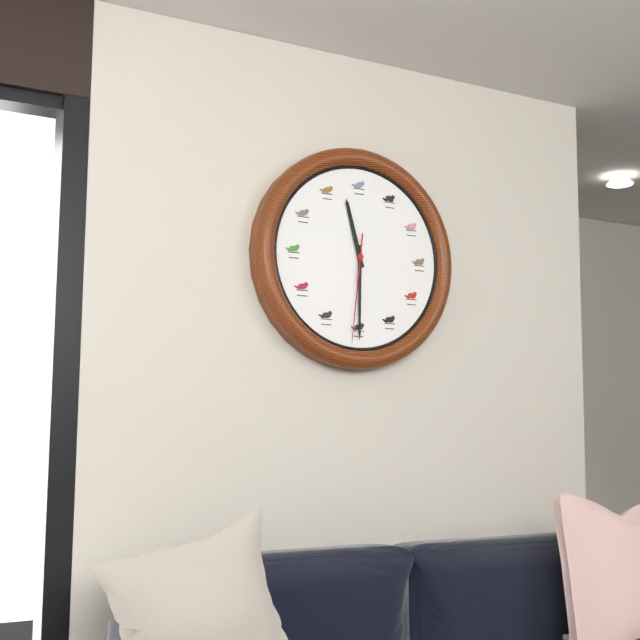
11:30:31
